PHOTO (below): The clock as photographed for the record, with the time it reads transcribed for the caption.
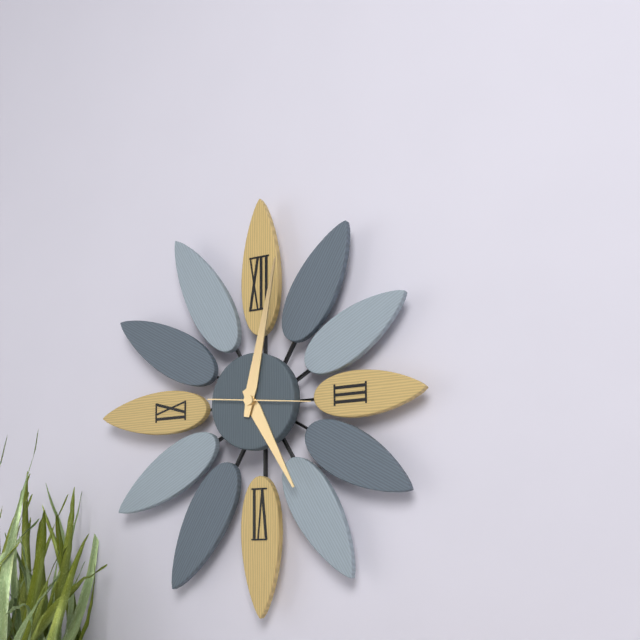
5:02
